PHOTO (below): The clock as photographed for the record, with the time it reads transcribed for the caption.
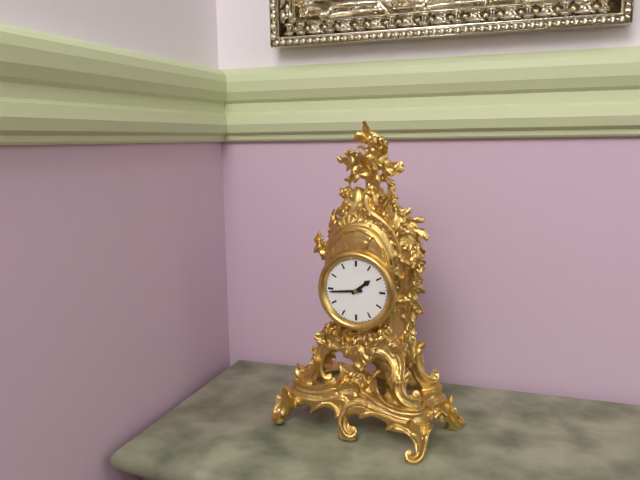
1:44
